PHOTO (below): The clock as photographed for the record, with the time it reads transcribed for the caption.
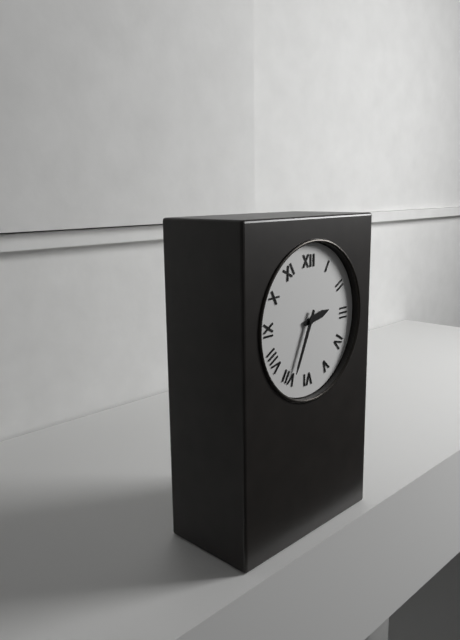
2:34
